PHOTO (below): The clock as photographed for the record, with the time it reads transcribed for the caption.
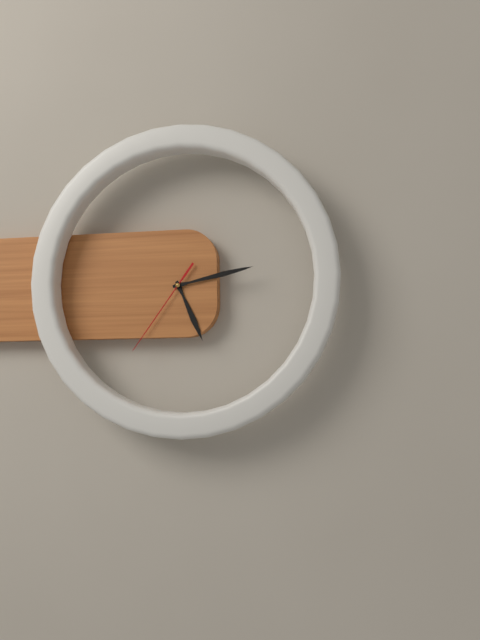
5:13:36
